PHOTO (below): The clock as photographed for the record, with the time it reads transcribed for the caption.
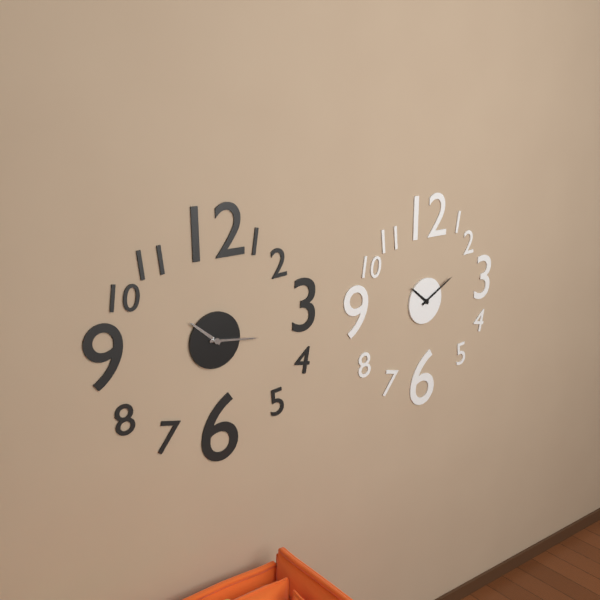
10:16
